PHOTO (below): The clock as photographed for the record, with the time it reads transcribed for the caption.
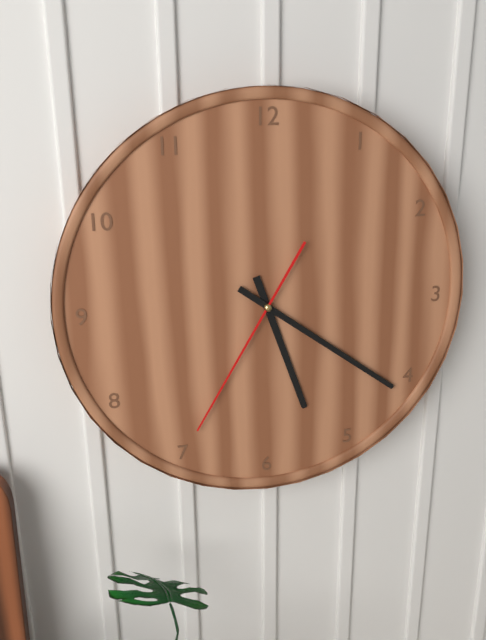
5:21:35
